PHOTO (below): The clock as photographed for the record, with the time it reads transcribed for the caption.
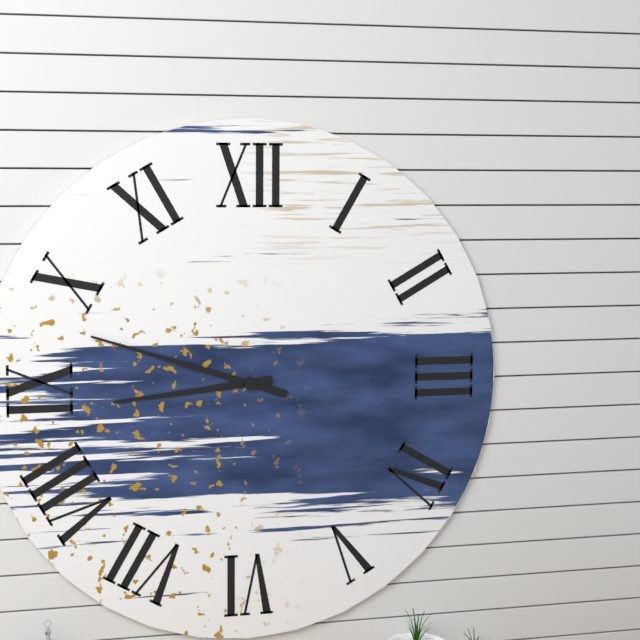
8:48
